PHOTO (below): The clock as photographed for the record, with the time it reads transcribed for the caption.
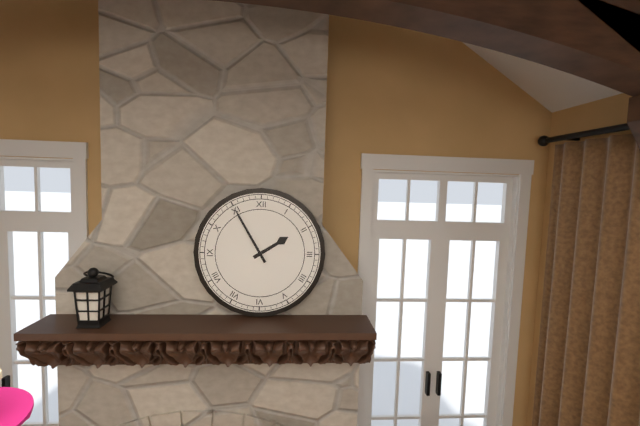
1:55
